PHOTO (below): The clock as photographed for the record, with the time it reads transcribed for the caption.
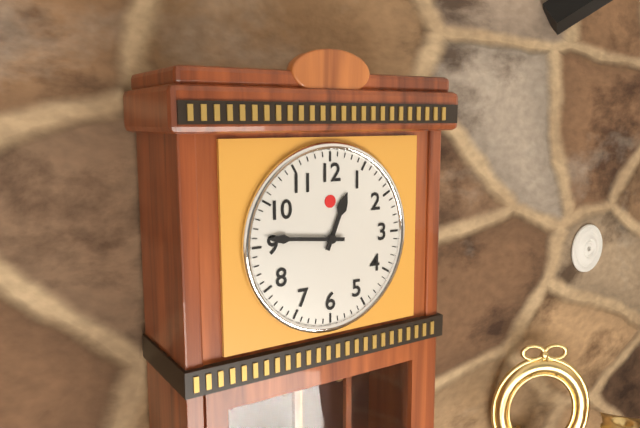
12:46
